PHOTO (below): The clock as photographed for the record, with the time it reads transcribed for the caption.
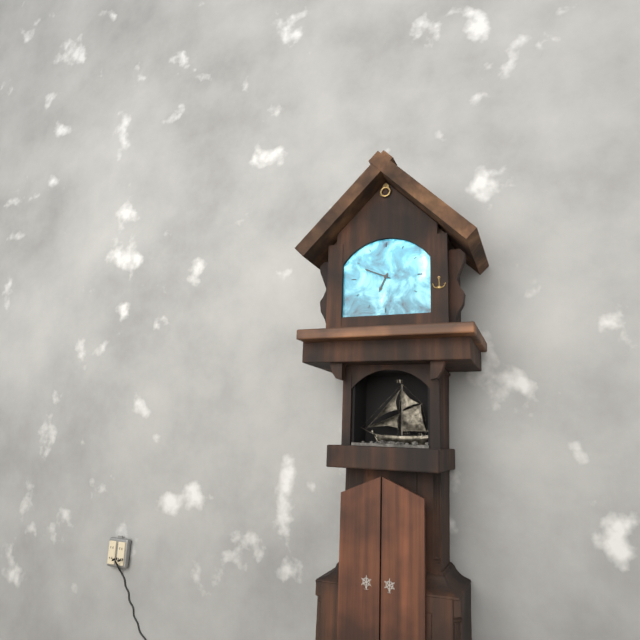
6:49
